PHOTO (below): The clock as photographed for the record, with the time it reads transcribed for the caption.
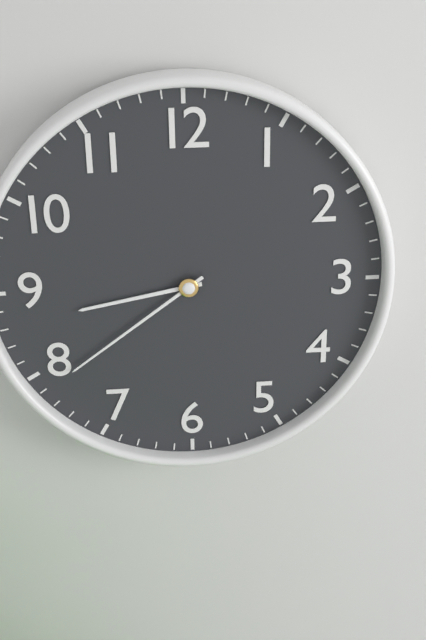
8:39
